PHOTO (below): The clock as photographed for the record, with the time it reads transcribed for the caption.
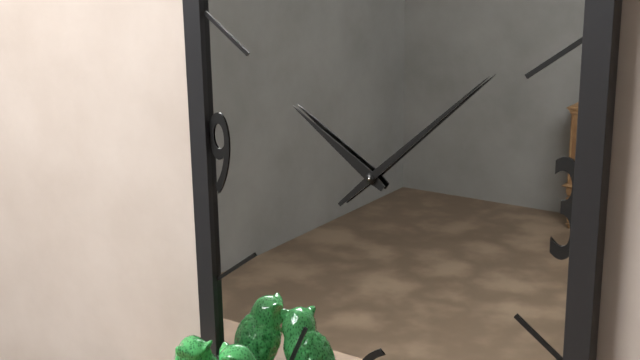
10:08
